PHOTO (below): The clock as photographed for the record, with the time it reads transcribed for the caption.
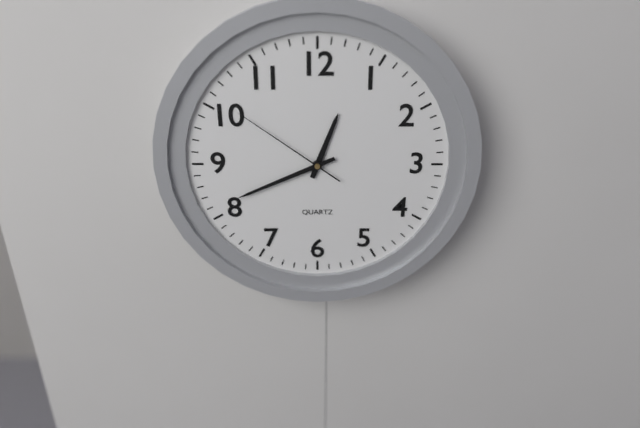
12:41:51
